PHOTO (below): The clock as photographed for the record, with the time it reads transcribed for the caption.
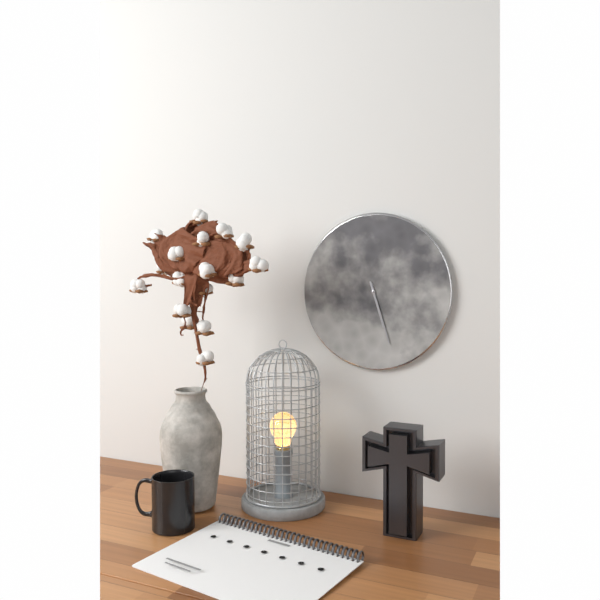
5:27
